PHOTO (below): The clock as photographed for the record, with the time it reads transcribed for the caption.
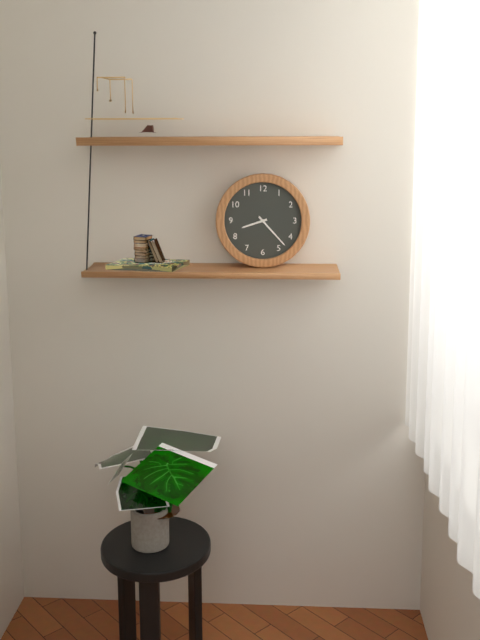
8:23
